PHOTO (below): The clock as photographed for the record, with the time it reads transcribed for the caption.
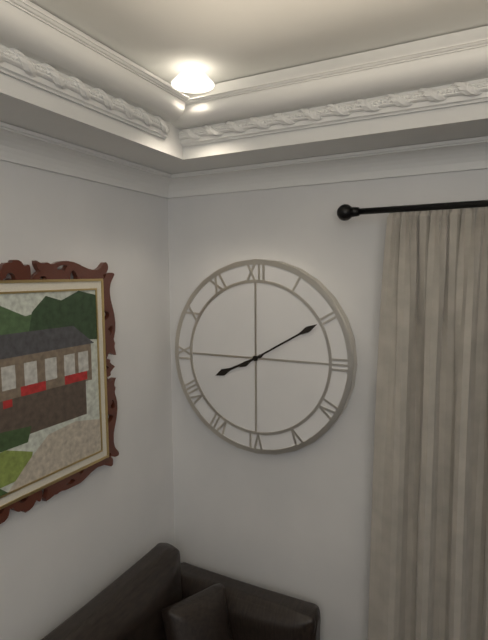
8:10
